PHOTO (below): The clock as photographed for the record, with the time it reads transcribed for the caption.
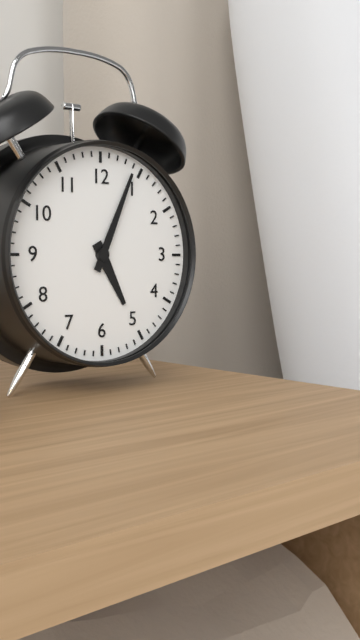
5:04
